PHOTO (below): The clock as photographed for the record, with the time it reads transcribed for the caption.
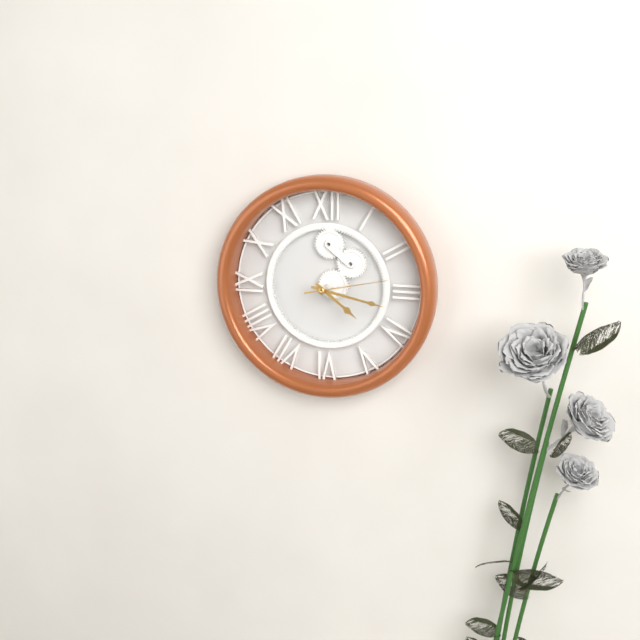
4:17:13
